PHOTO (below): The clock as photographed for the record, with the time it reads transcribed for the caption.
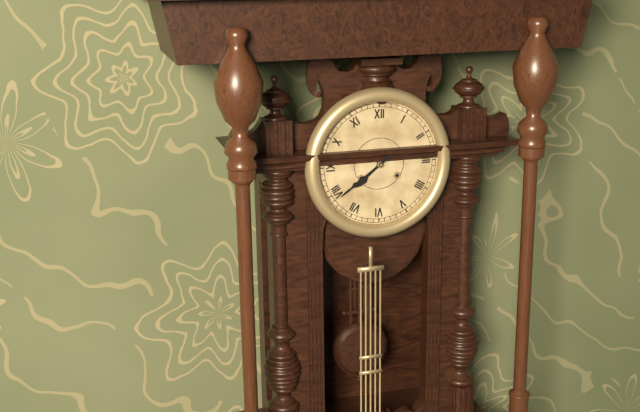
7:39
